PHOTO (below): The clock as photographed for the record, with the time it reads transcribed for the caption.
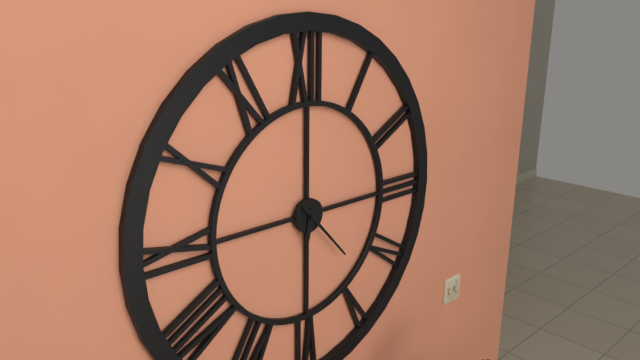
6:23
